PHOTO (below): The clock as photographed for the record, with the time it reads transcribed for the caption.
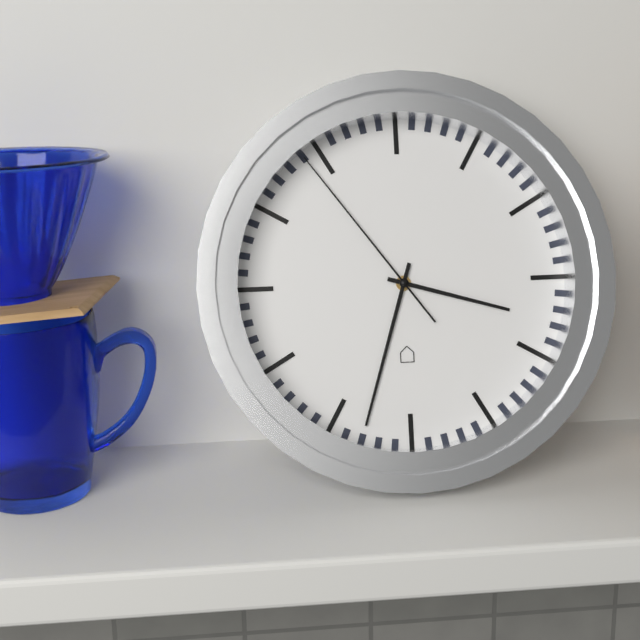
3:33:54
